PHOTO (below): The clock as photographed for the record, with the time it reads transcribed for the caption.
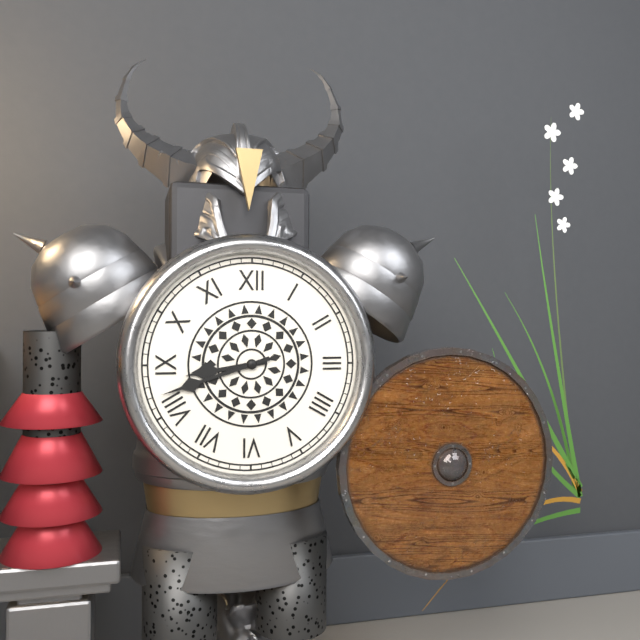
8:42
